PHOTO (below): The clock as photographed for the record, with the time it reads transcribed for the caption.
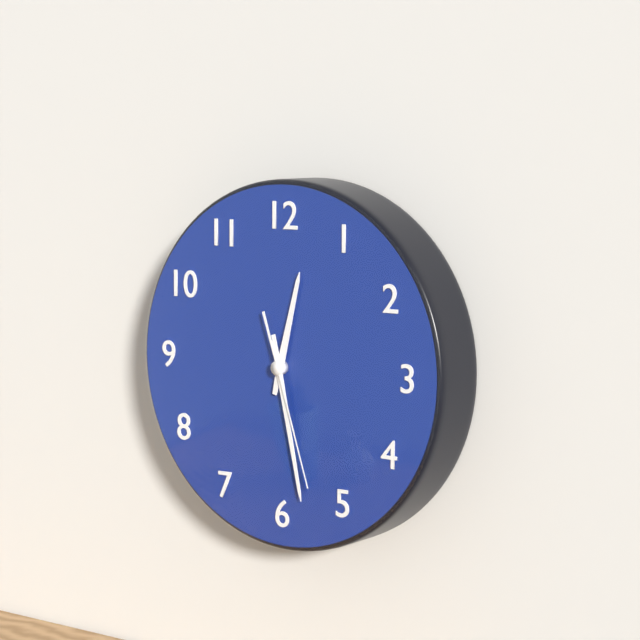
12:28:27
